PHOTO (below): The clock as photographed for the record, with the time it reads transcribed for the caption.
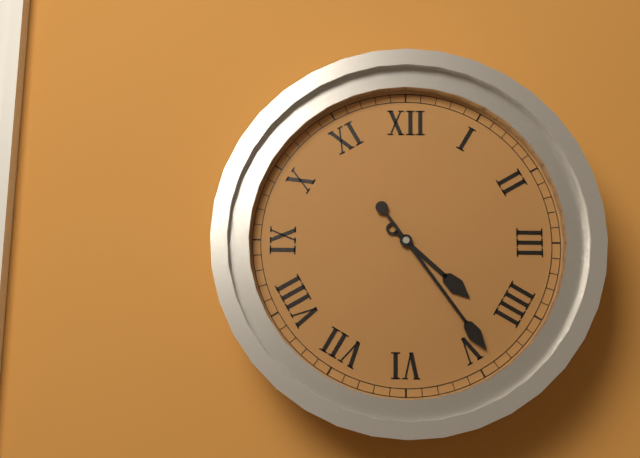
4:24
